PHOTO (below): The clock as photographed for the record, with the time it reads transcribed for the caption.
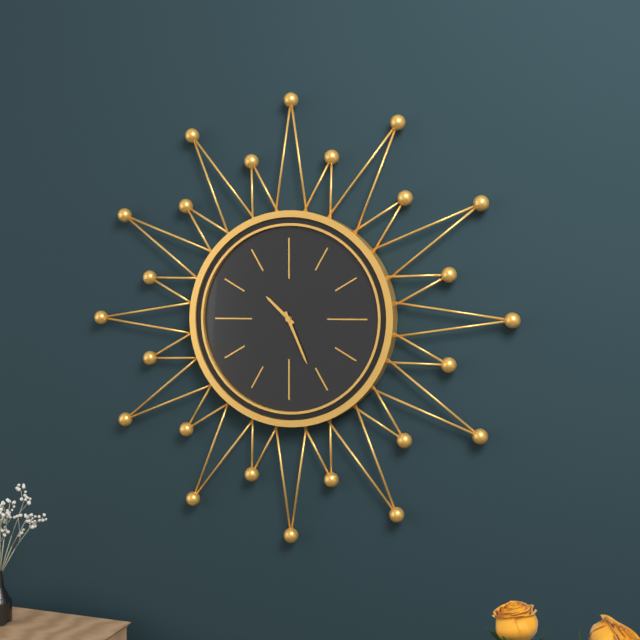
10:26
